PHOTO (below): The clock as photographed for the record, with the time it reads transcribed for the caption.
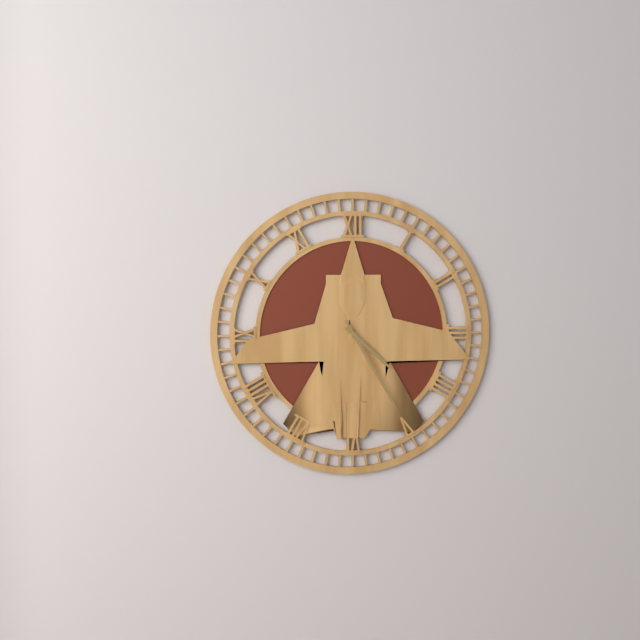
4:25
